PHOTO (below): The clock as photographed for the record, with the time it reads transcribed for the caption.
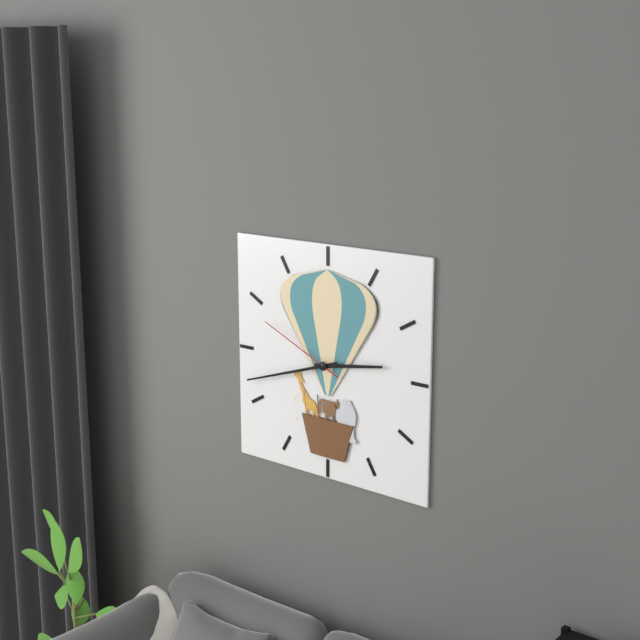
2:42:49
